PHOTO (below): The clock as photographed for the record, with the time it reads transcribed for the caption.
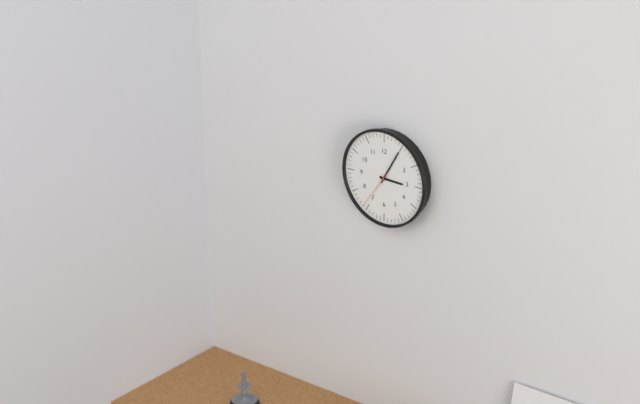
3:05
